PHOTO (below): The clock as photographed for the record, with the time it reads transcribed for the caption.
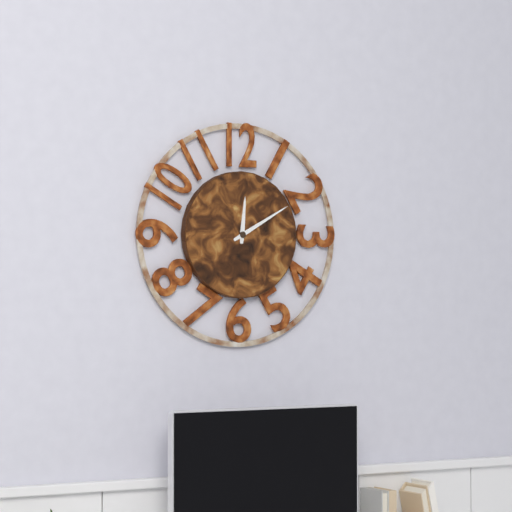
12:10
